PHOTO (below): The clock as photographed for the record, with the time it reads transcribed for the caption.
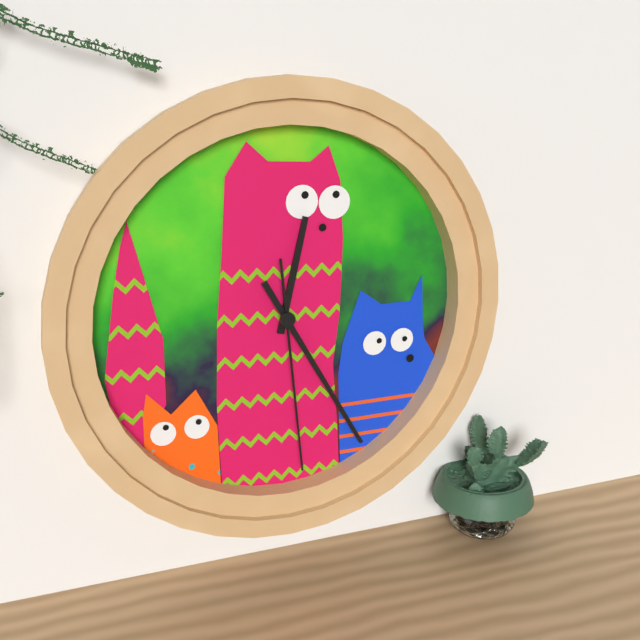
12:25:29
